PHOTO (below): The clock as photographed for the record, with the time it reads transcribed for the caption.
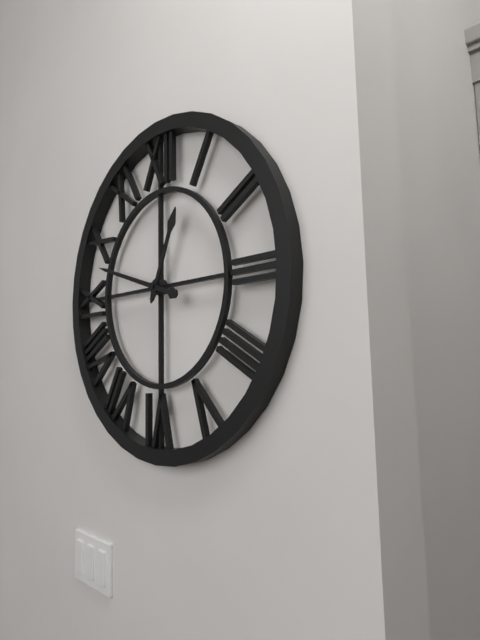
12:48
